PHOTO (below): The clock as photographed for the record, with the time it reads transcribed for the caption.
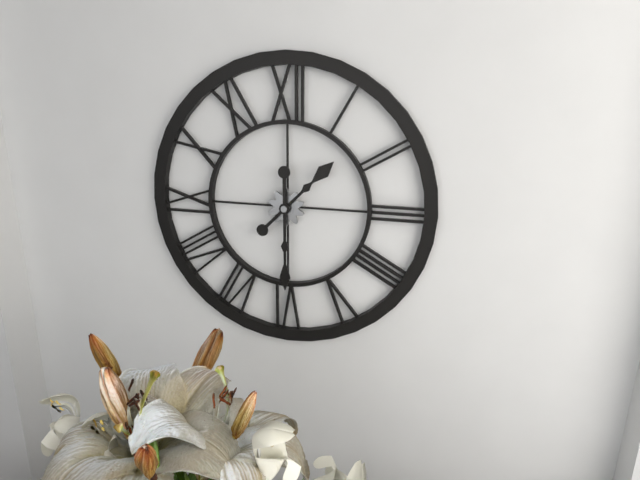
1:30
